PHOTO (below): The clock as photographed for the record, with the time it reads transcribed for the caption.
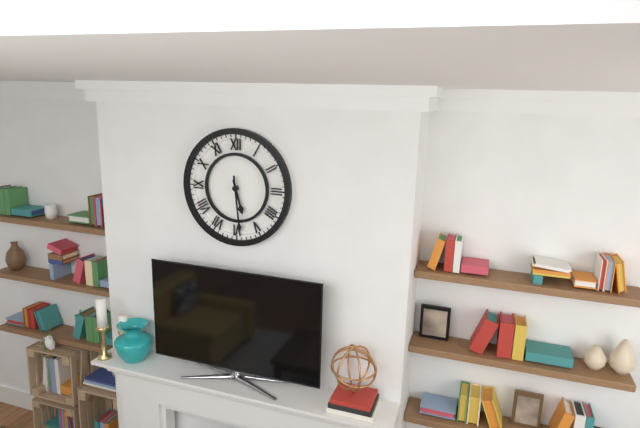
5:29
